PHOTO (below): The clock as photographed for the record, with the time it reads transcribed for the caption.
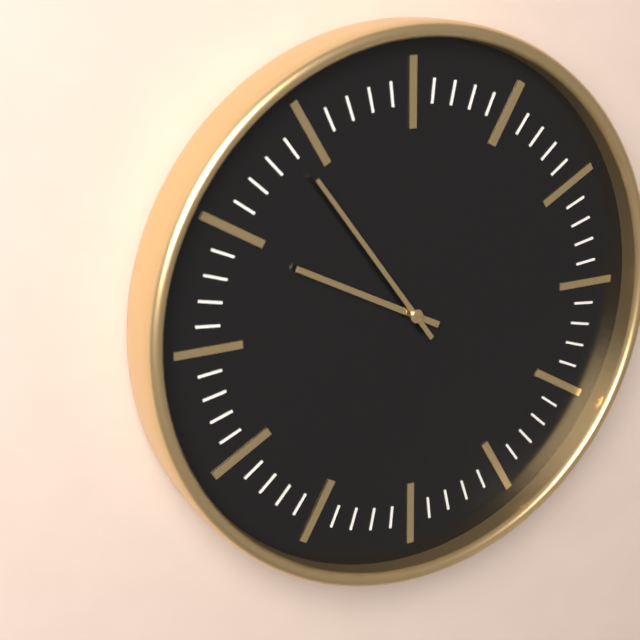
9:54
